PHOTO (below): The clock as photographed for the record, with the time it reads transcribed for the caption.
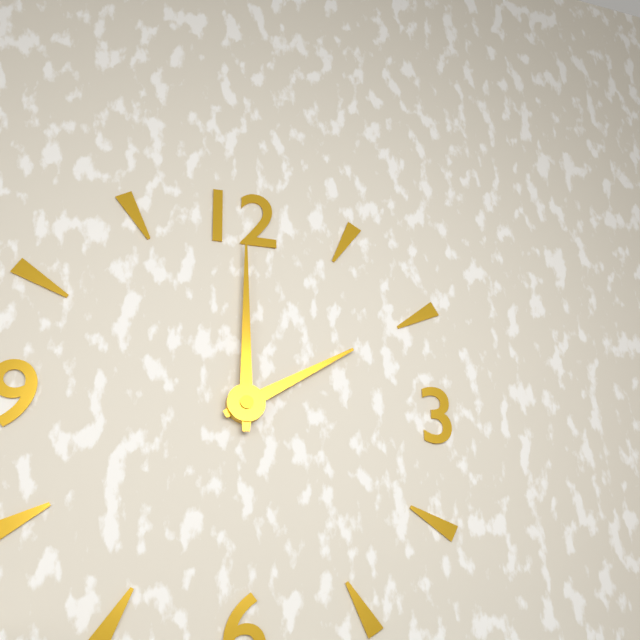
2:00
